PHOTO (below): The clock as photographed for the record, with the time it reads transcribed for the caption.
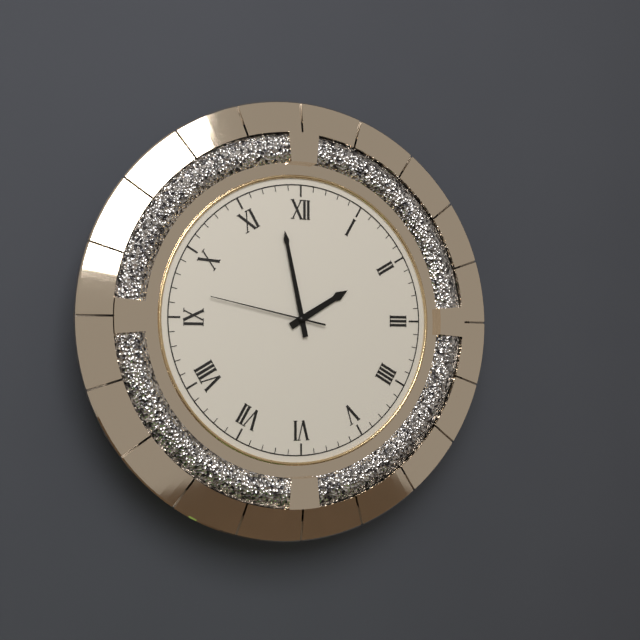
1:58:47
